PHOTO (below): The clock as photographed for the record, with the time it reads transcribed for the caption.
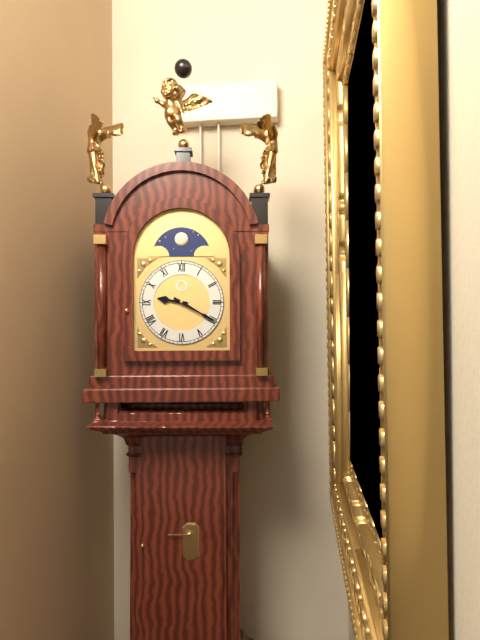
9:20
